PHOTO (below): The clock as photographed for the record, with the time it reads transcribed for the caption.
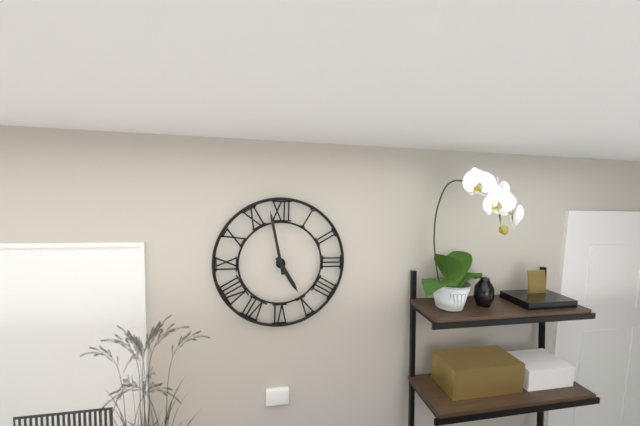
4:58
